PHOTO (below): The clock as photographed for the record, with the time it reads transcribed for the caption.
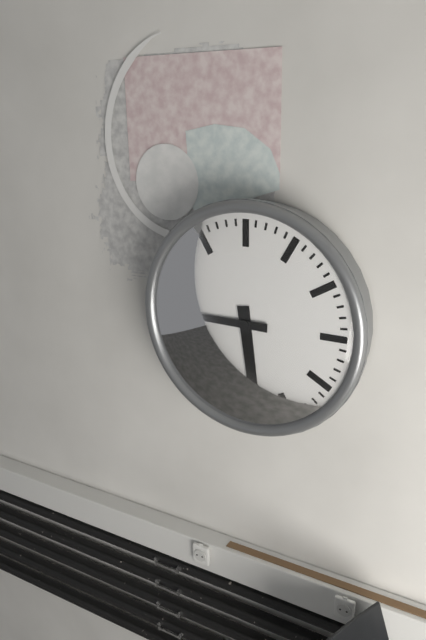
5:45
